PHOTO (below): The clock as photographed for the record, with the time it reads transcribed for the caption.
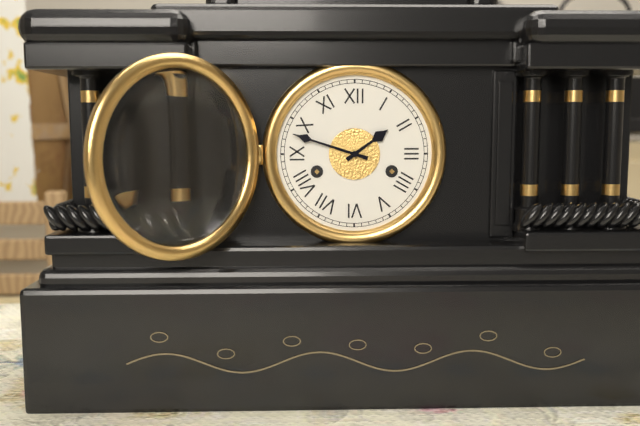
1:48
